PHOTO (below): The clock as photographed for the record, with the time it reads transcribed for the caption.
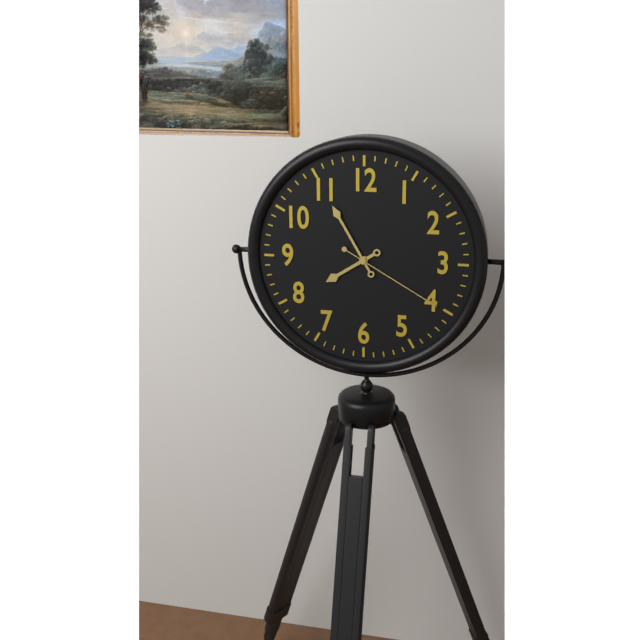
7:55:20
